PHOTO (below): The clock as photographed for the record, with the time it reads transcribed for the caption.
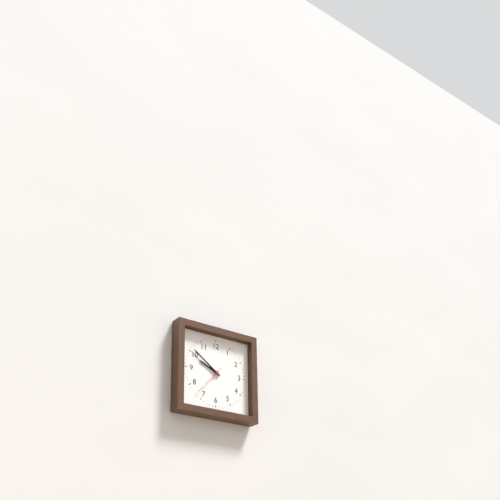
9:51
